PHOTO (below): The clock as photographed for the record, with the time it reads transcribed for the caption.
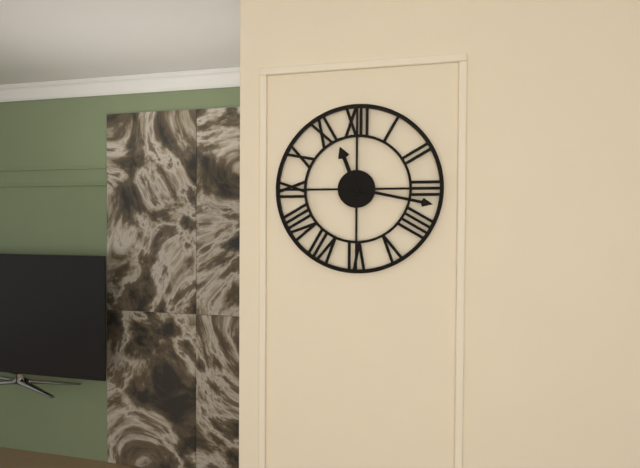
11:17
